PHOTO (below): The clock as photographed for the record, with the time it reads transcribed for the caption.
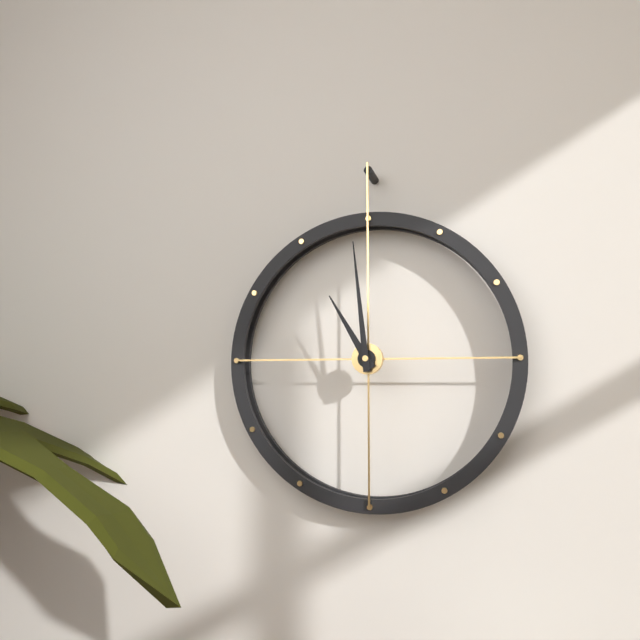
10:59
